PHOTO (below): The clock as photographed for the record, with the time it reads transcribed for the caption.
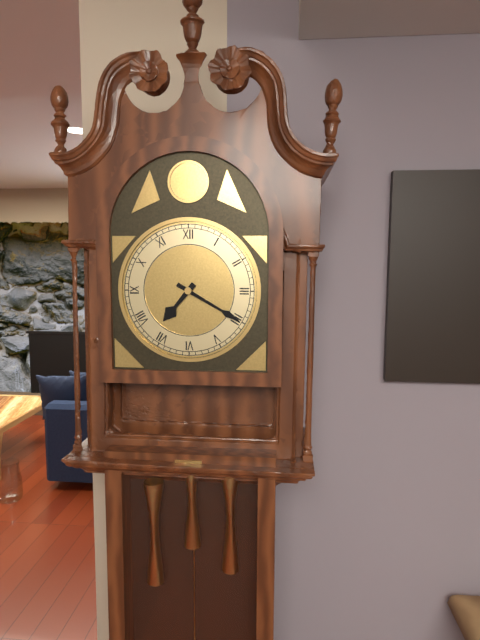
7:20
